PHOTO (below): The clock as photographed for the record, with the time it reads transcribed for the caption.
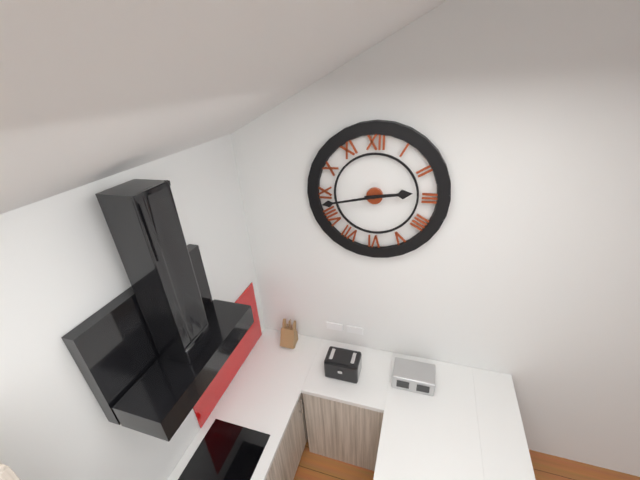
2:43
